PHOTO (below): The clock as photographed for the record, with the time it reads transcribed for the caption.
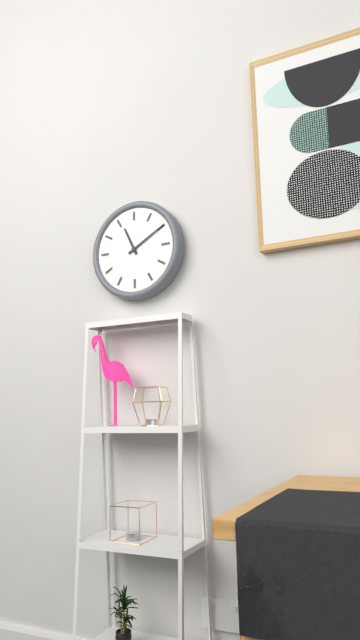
11:10
